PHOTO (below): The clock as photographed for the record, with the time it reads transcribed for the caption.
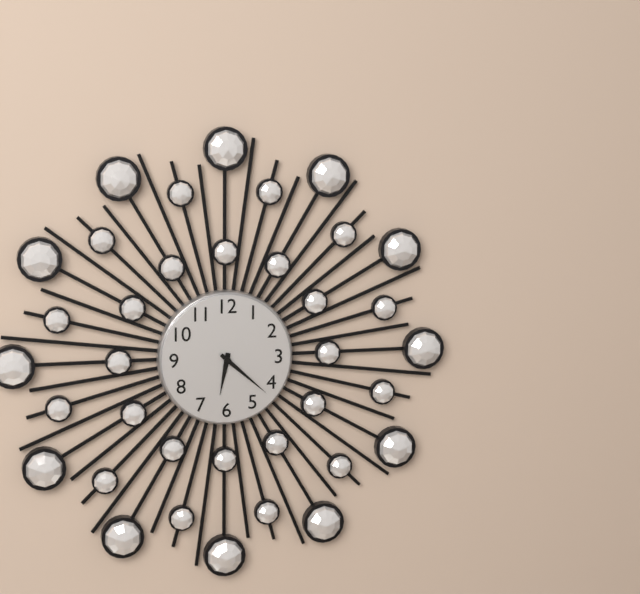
6:22
